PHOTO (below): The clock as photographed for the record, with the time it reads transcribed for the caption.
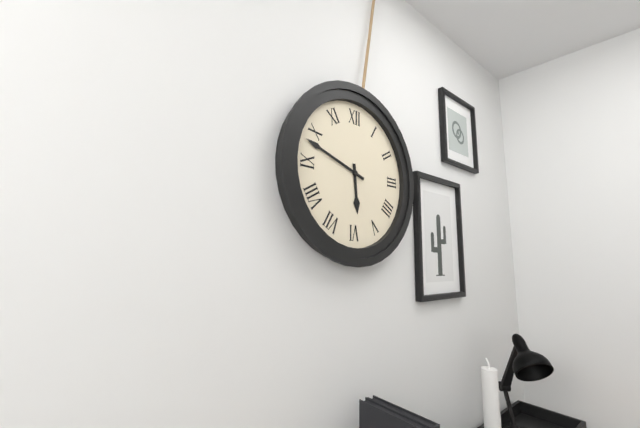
5:48
